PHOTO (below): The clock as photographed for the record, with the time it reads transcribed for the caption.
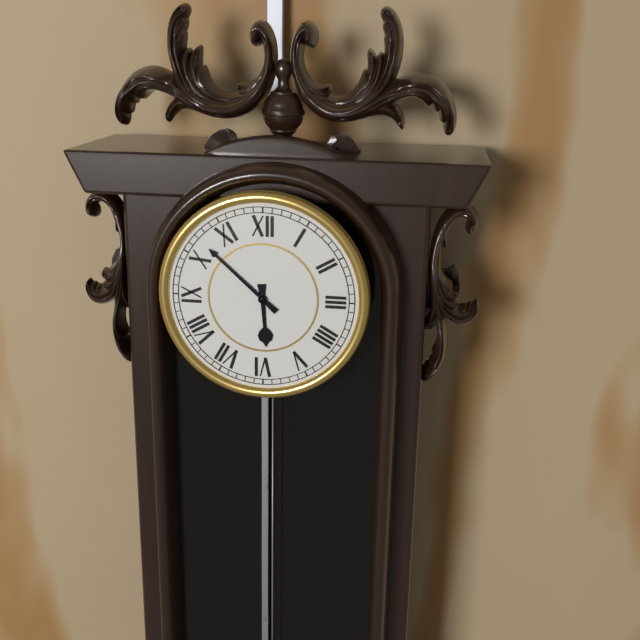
5:52
